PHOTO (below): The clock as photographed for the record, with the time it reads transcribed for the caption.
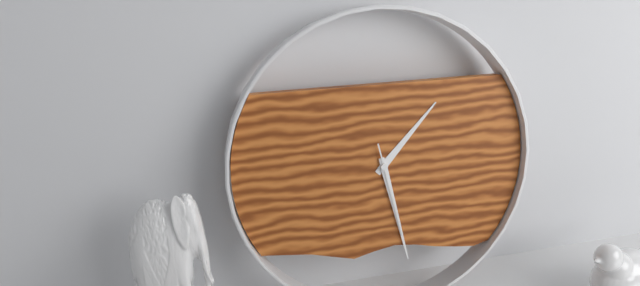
1:28:28
